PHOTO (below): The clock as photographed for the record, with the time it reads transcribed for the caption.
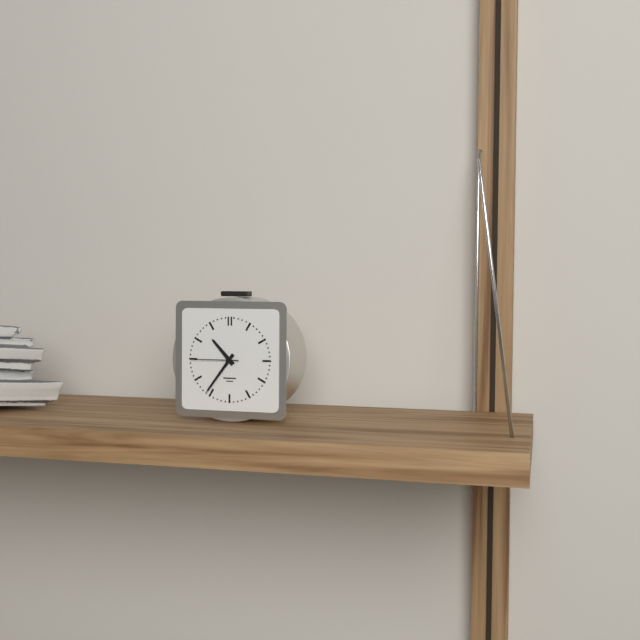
10:36:45
